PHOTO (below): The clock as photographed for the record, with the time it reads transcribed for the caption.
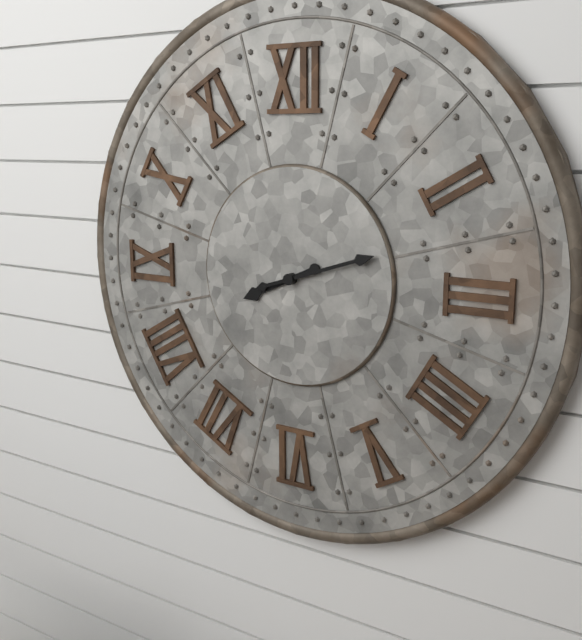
8:12
